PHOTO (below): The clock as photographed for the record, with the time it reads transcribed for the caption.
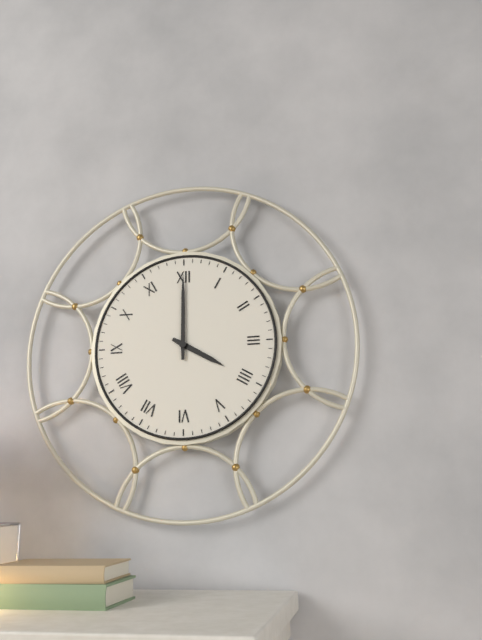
4:00
